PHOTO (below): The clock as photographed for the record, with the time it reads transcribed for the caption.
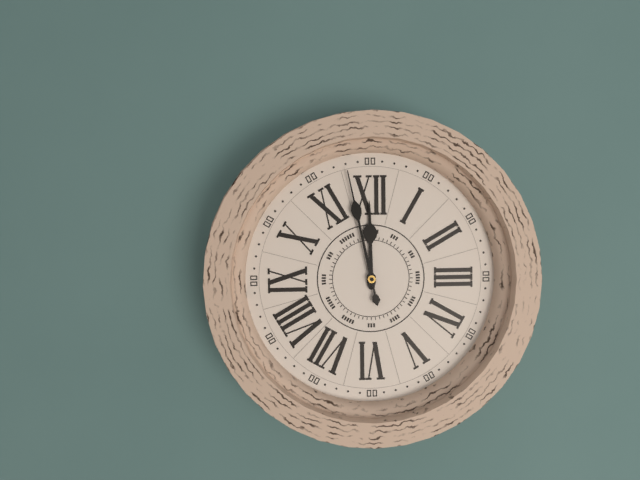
11:58
